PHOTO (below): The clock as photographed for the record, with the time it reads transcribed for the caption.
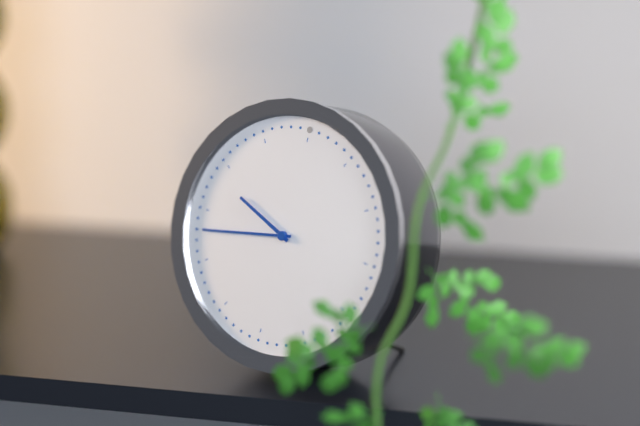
9:43
